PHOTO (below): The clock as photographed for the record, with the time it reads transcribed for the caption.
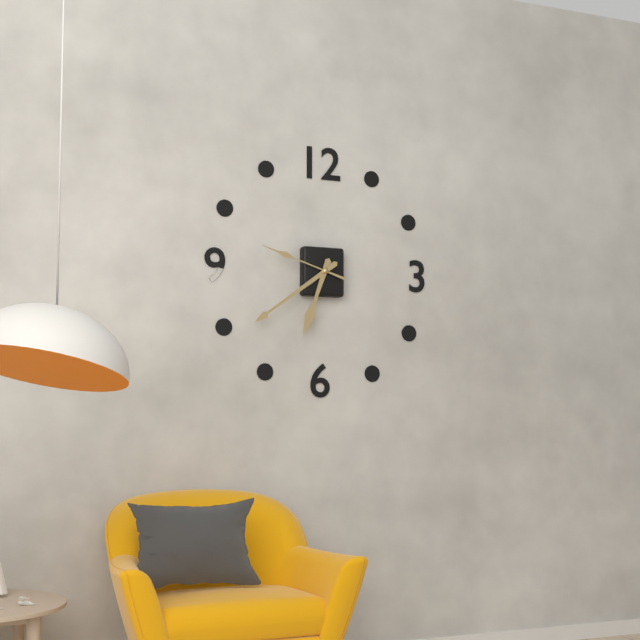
6:39:48
